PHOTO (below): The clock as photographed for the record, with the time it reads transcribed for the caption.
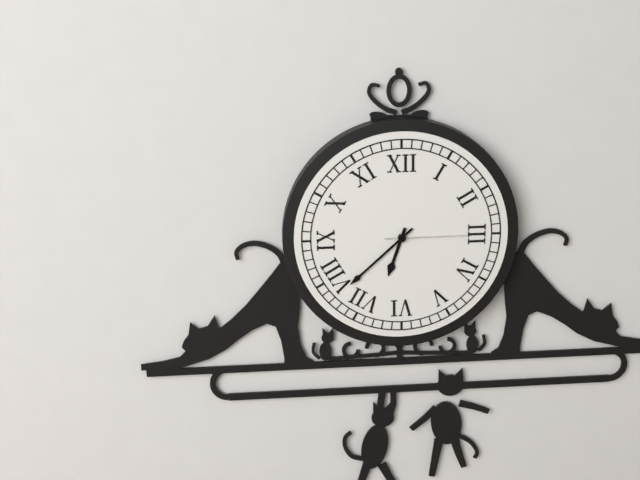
6:38:15
